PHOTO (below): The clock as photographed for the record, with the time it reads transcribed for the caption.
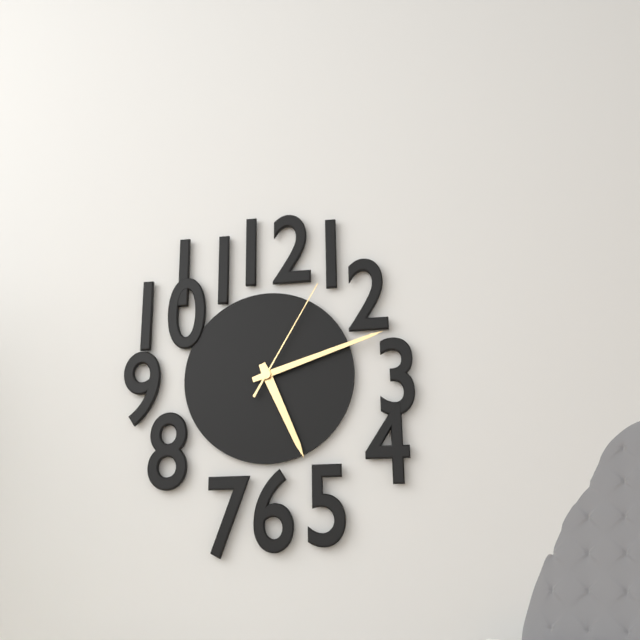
5:12:05
